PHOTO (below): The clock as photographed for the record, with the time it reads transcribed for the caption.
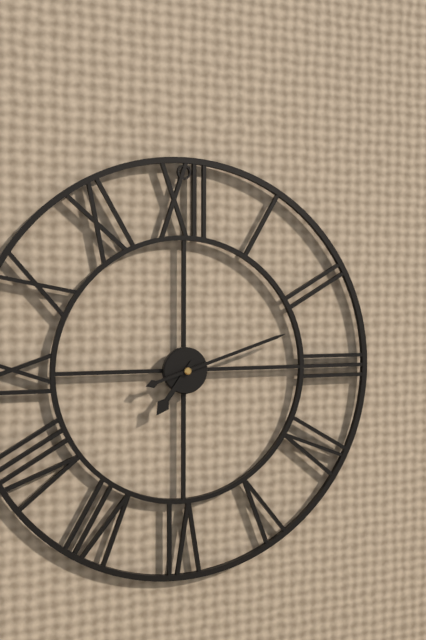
7:12
